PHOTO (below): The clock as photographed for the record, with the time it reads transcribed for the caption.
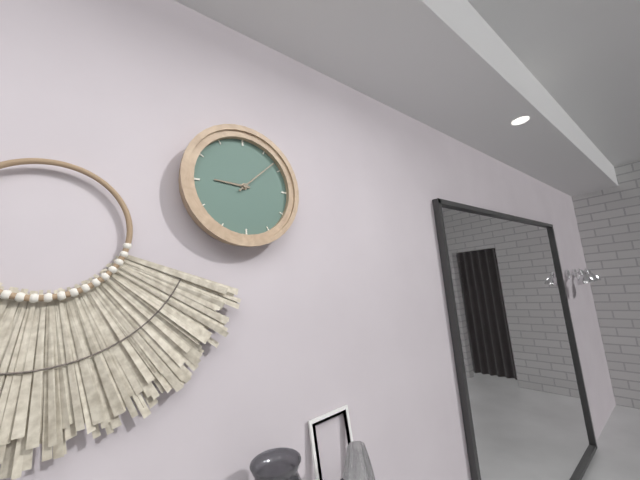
9:08
